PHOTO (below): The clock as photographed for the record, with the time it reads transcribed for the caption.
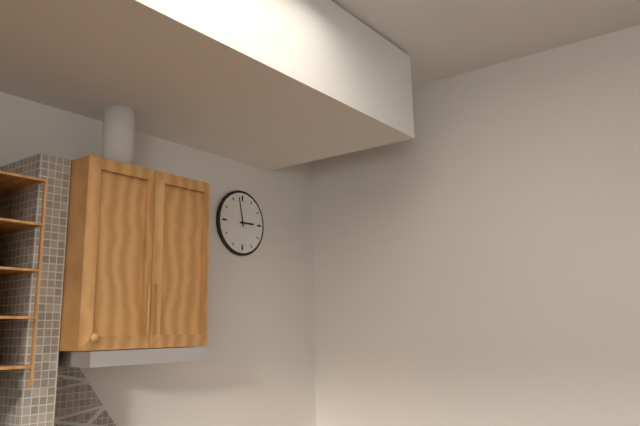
2:58
